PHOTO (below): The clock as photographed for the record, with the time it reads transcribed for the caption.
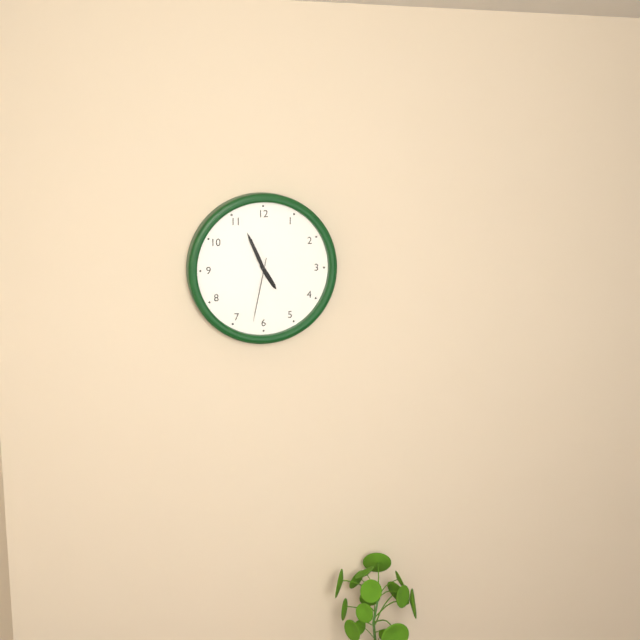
4:56:32
